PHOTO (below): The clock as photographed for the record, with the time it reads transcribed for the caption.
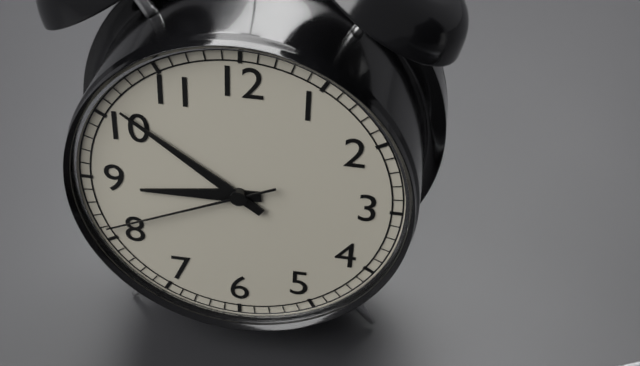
8:51:41
